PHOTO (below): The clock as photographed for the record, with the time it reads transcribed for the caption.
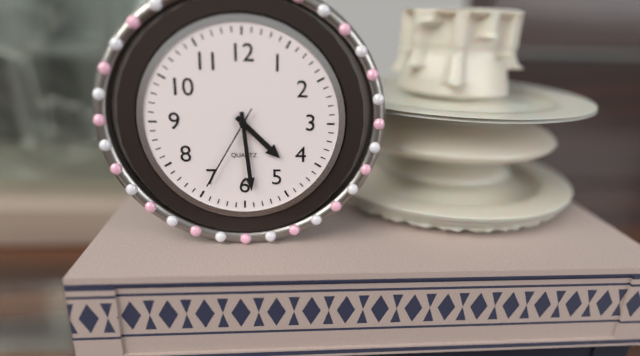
4:29:35
